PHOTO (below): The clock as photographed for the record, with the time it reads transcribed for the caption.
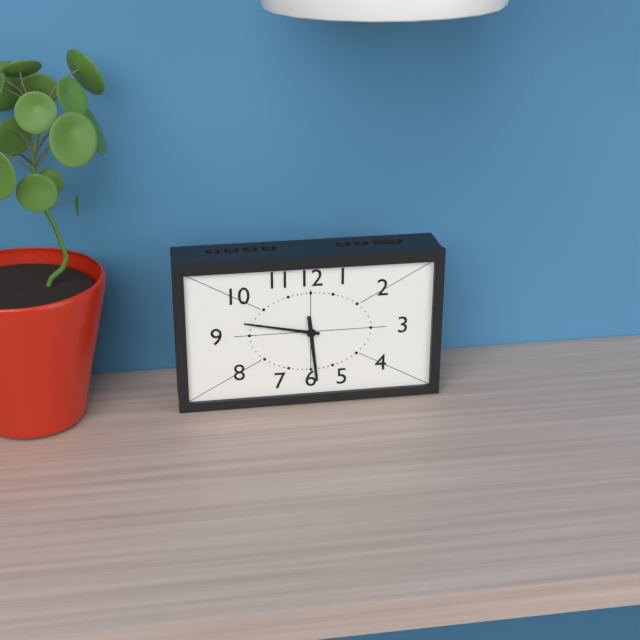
5:47
